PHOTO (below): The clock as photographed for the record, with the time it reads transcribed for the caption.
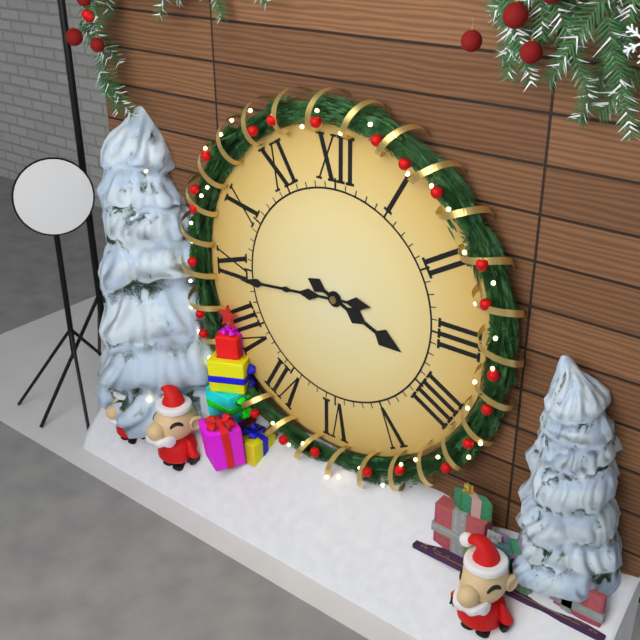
3:44
